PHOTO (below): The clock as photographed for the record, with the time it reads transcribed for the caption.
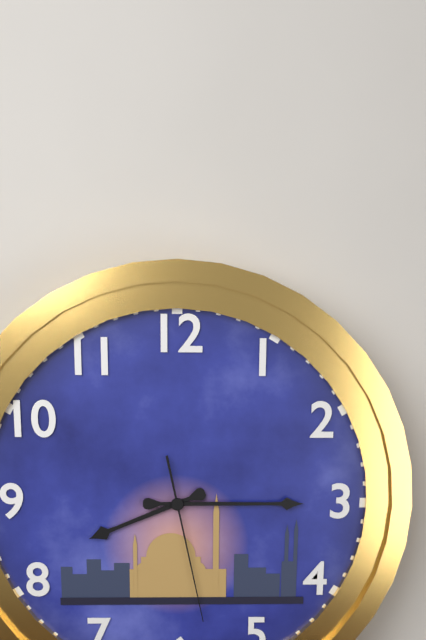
8:15:28
